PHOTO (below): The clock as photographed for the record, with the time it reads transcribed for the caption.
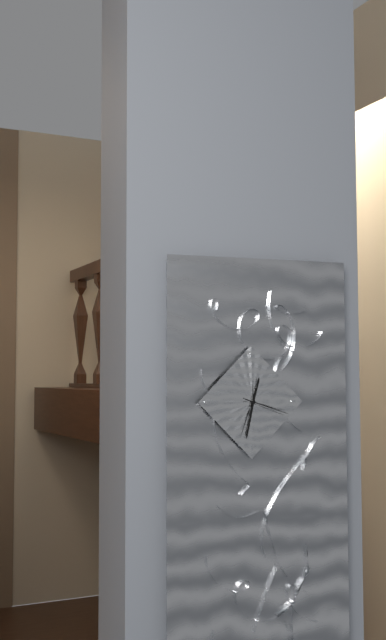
12:32
